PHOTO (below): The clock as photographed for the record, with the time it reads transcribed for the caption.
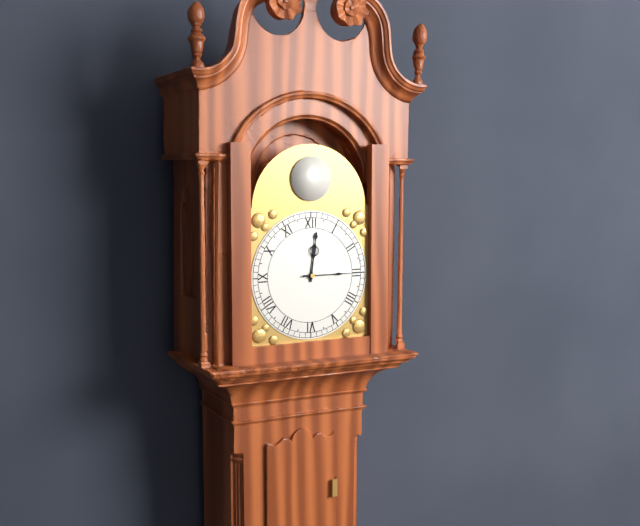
12:15
